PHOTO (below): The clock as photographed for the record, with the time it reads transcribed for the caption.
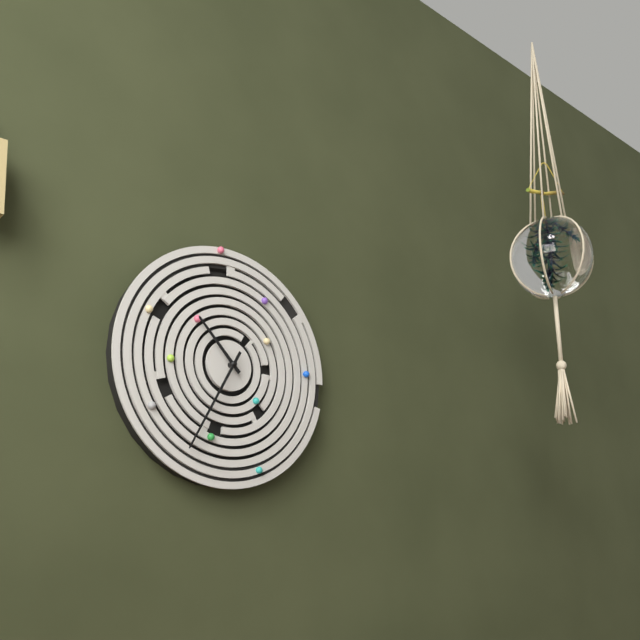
10:35
